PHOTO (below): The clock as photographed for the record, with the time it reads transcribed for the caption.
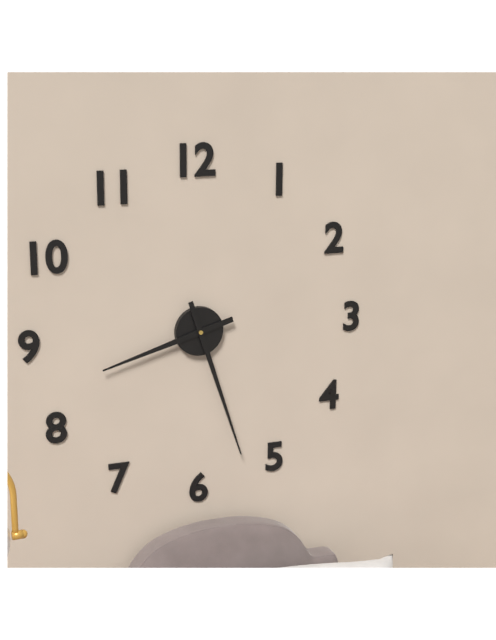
8:27
